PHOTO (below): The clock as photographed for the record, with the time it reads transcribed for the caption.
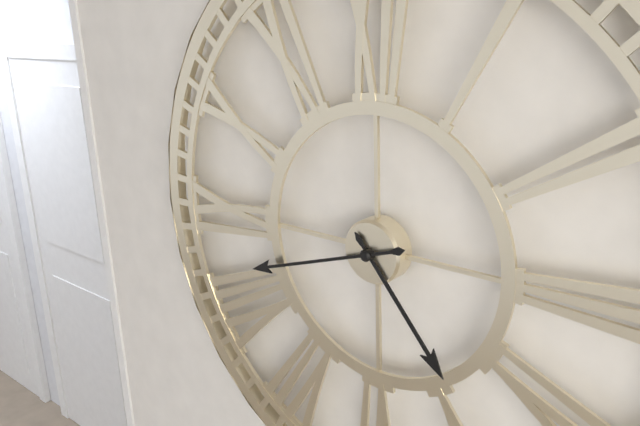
4:42
